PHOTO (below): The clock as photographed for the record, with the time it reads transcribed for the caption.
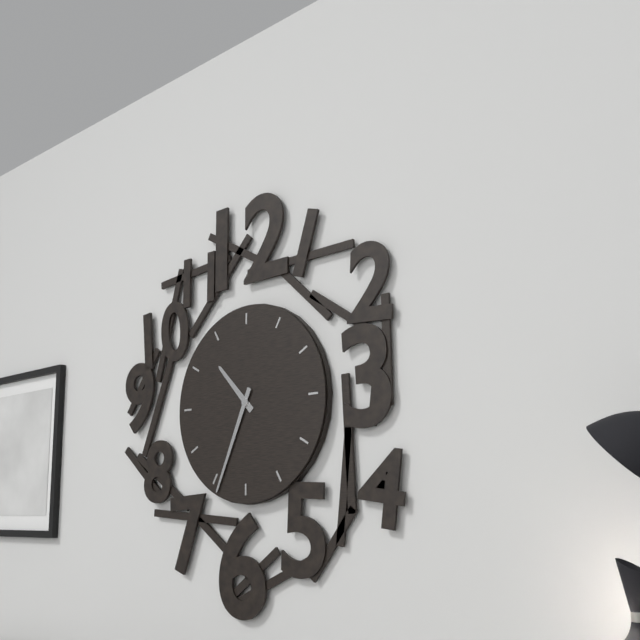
10:34
